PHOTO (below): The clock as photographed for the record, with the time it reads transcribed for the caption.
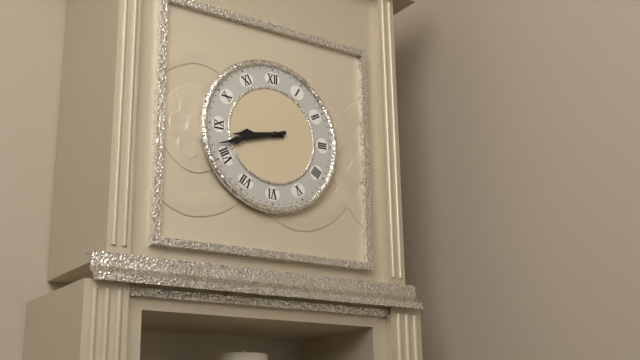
8:42
